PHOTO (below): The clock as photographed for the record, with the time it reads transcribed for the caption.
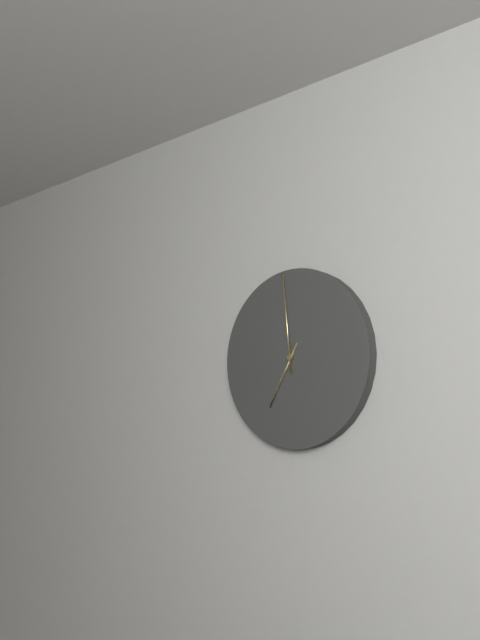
6:59
